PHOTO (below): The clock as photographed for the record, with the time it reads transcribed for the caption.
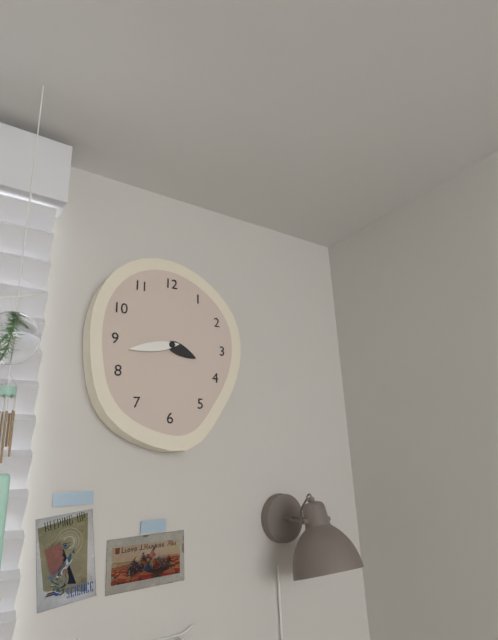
3:43
